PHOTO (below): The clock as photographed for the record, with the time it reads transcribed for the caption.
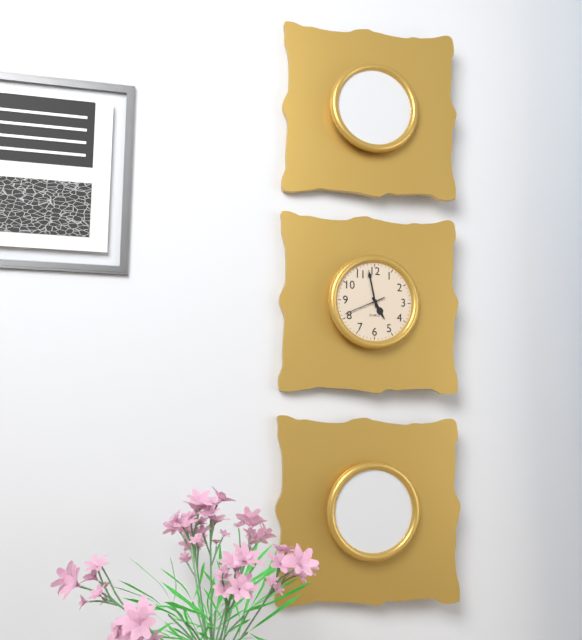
4:58
